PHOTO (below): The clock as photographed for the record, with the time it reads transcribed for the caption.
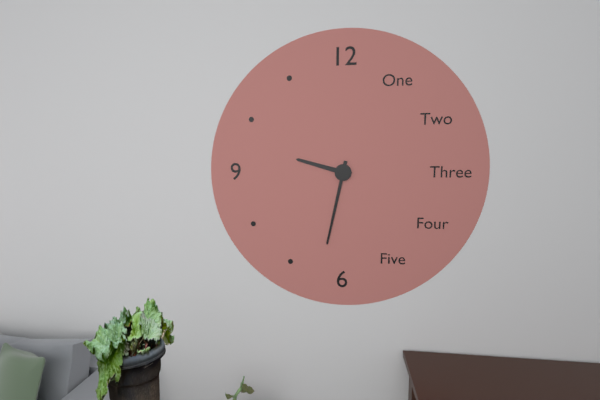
9:32
